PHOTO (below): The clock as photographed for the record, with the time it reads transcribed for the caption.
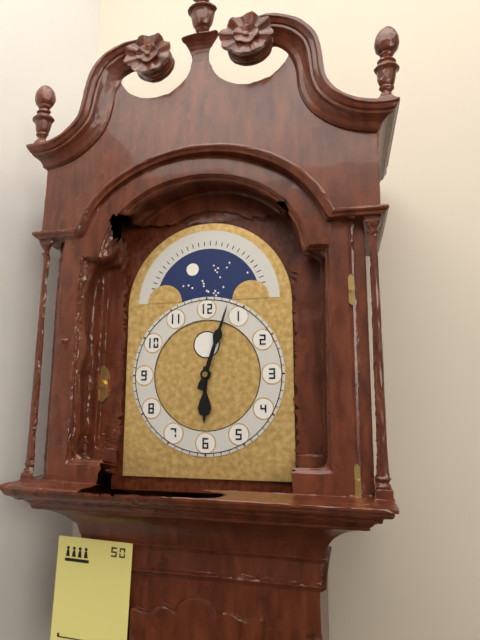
6:03
